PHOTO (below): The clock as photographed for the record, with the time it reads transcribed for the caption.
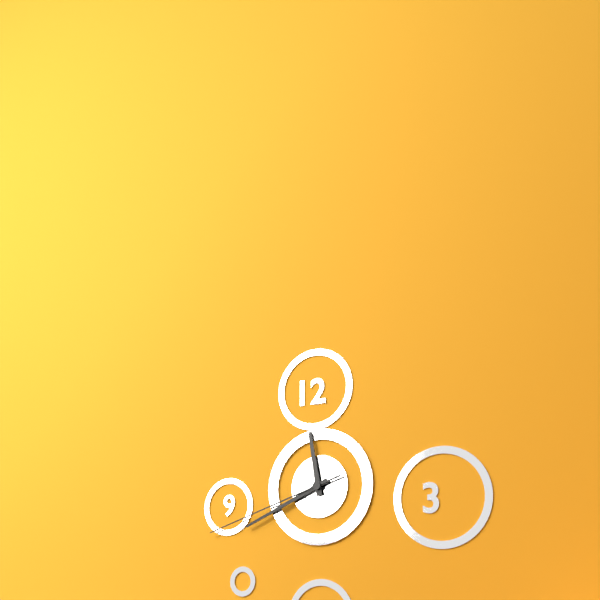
11:41:42
